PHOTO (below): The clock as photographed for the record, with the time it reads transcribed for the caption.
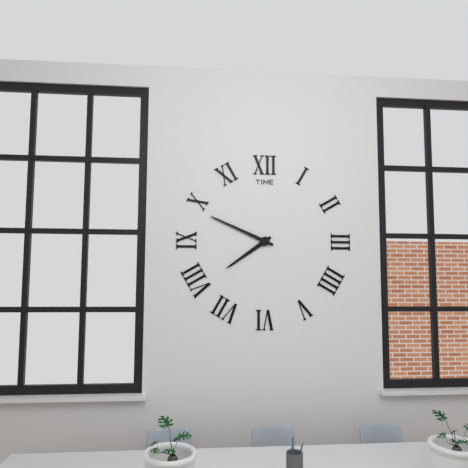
7:49
